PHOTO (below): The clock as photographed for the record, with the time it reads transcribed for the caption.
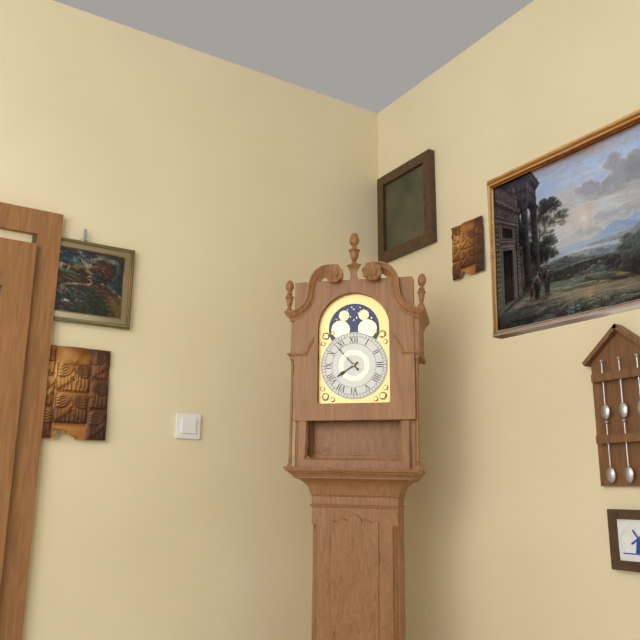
7:53
